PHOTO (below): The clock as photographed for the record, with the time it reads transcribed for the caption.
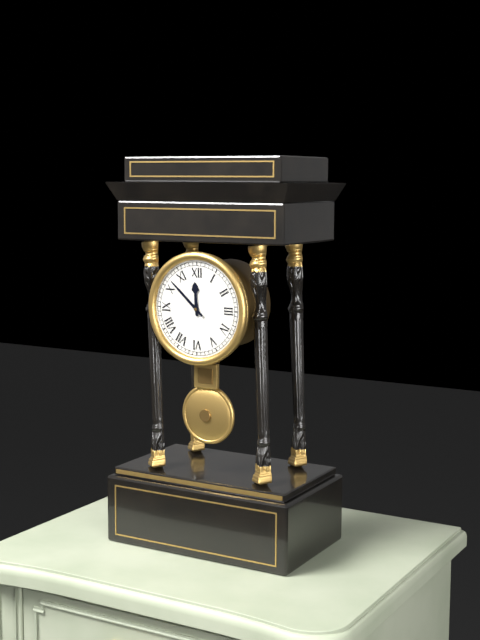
11:52
